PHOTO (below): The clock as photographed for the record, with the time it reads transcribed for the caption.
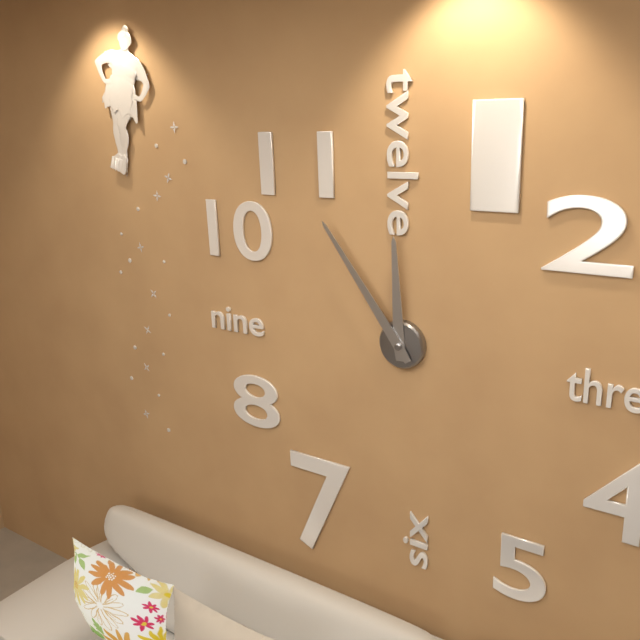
11:54
